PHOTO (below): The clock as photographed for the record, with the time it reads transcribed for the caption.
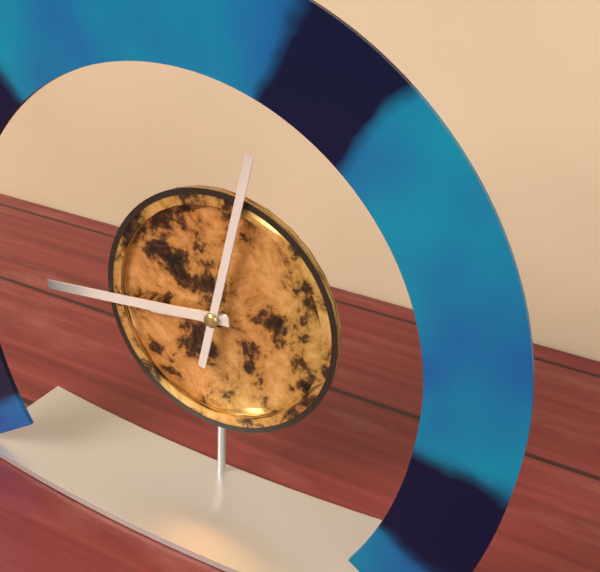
8:44:02
